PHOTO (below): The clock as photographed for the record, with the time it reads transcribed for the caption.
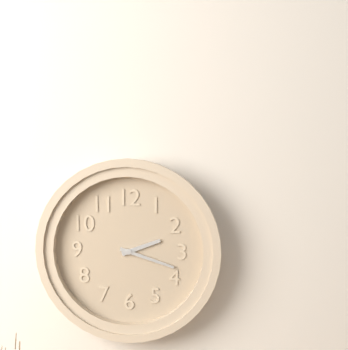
2:18
